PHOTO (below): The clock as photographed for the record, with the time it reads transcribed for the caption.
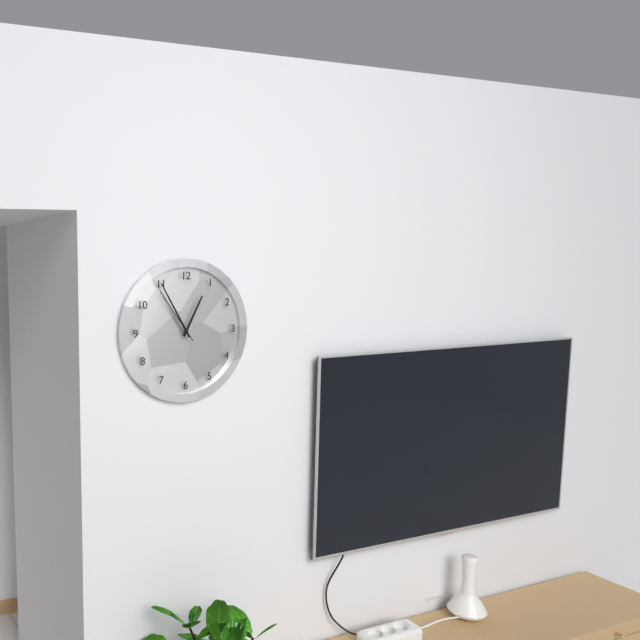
12:55:54
